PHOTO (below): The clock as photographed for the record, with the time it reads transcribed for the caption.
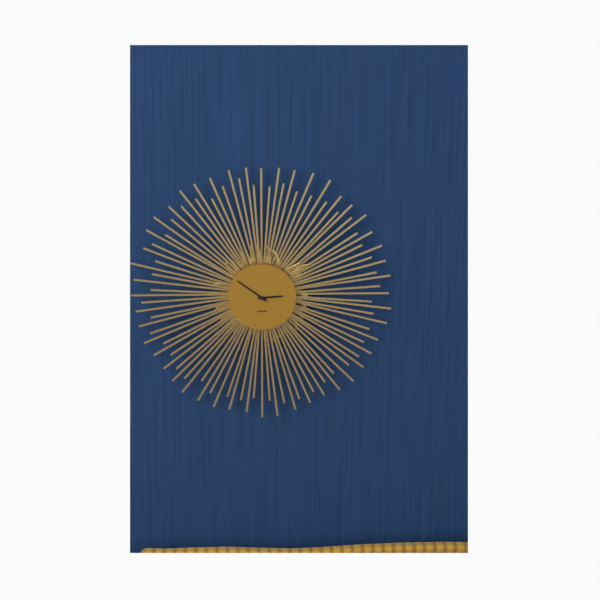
2:51
